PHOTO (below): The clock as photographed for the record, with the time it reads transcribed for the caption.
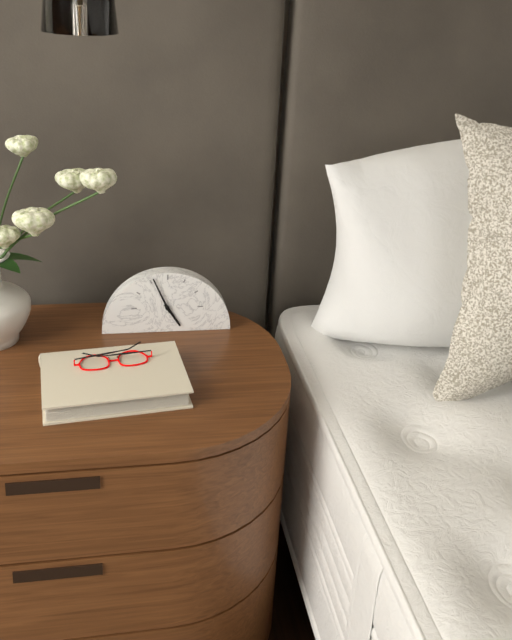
4:56
